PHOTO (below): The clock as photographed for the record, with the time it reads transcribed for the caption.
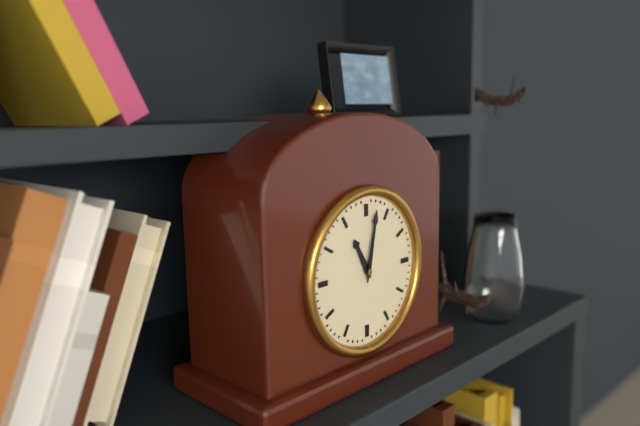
11:02
